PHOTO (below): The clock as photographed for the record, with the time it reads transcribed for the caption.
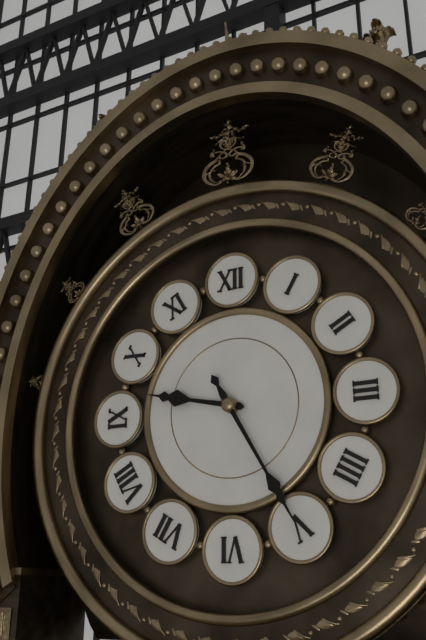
9:25
